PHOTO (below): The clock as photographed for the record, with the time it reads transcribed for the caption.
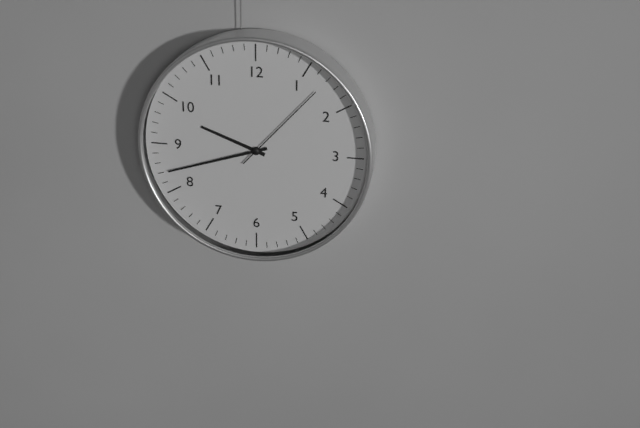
9:42:07
